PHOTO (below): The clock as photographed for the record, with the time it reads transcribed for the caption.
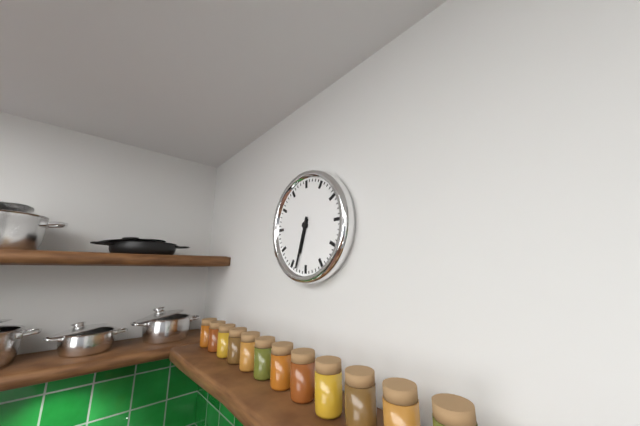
6:33
